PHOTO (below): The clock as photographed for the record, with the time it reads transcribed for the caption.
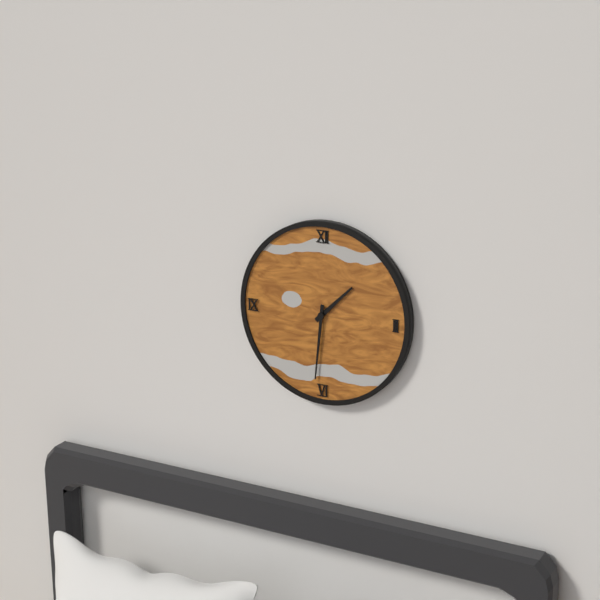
1:31
